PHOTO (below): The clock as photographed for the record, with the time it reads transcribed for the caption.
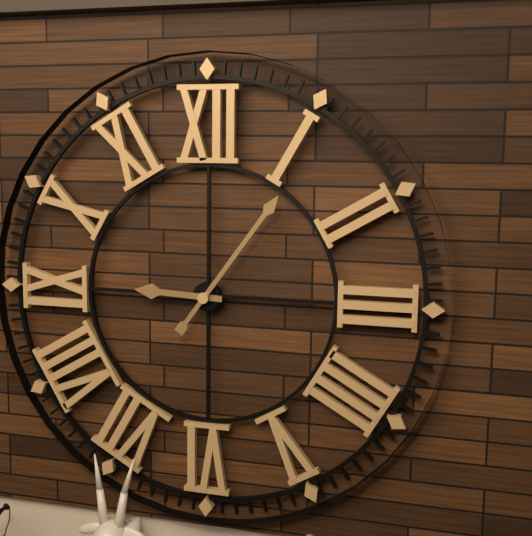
9:06
